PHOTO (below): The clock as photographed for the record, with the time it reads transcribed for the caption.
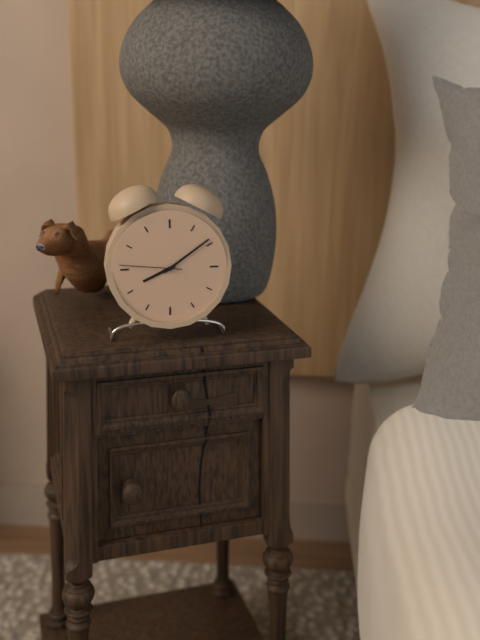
8:09:46
